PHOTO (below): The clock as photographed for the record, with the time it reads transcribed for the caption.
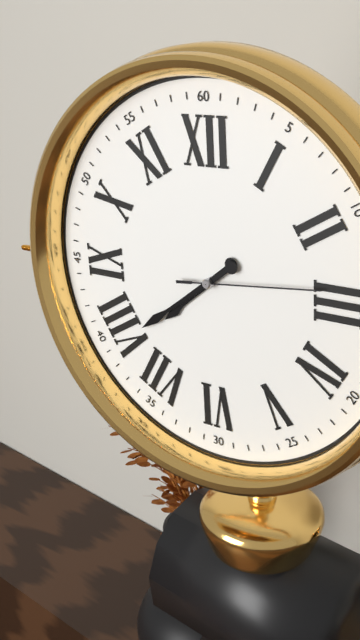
7:39:14
